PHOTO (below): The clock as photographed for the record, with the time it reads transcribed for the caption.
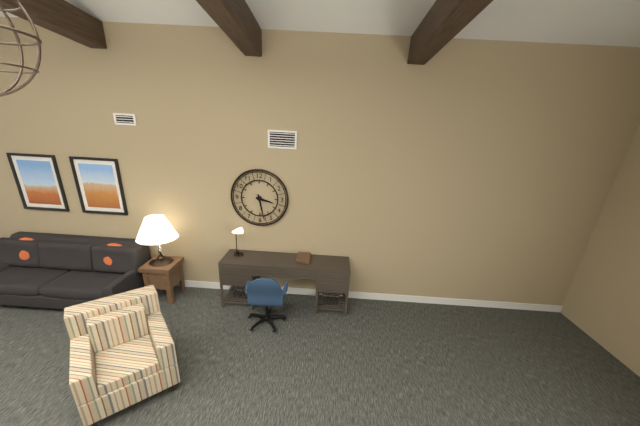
3:28
